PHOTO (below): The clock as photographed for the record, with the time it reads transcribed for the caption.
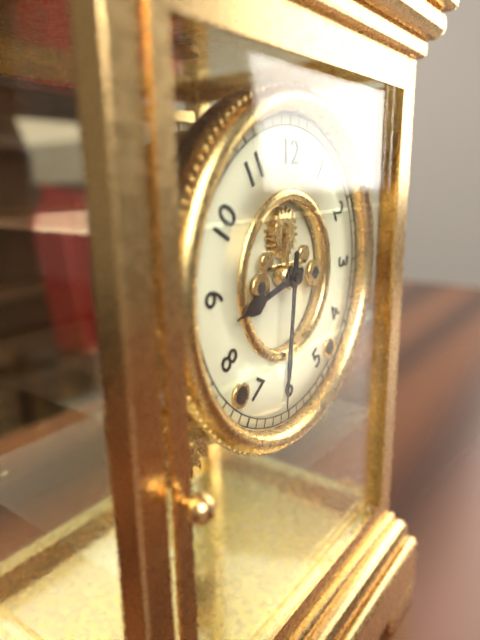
8:31
